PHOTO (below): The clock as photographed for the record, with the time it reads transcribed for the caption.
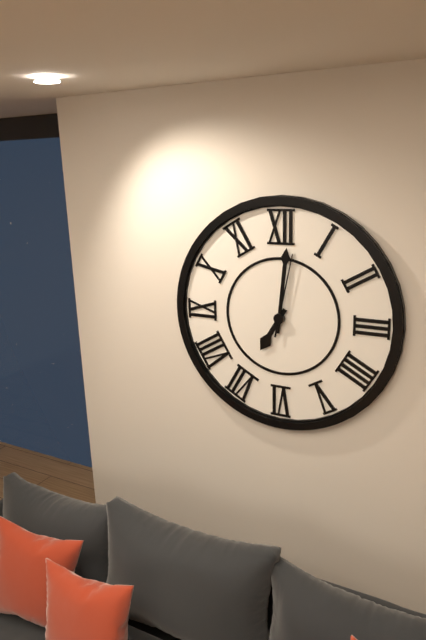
7:01:02
